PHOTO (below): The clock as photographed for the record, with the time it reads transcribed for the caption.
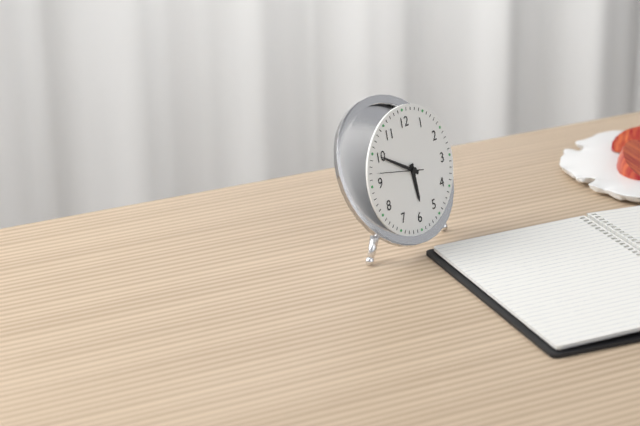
5:50
